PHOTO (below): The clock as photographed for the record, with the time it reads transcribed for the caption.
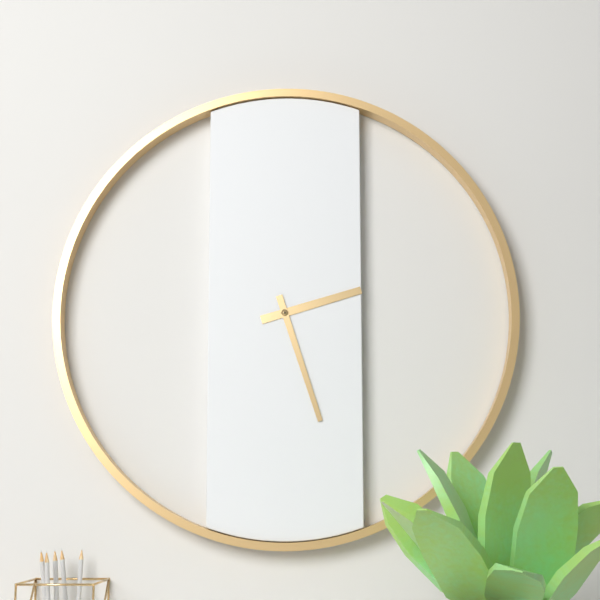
2:27
